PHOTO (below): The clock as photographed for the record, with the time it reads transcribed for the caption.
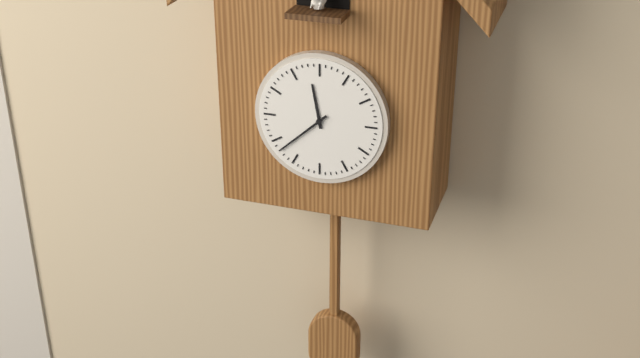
11:38
